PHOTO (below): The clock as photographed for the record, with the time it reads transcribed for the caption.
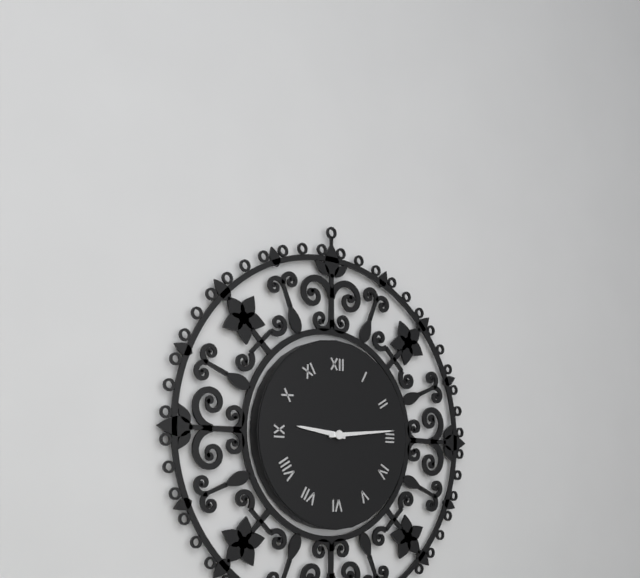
9:14
